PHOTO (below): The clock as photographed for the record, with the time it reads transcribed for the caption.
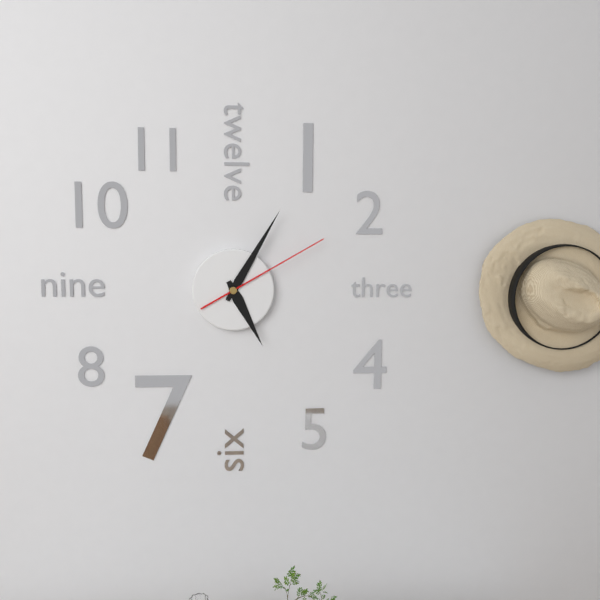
5:05:10
